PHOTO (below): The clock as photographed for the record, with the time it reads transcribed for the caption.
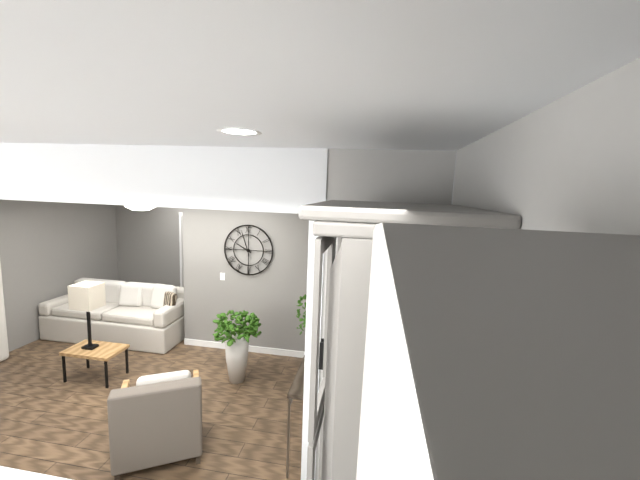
9:57
